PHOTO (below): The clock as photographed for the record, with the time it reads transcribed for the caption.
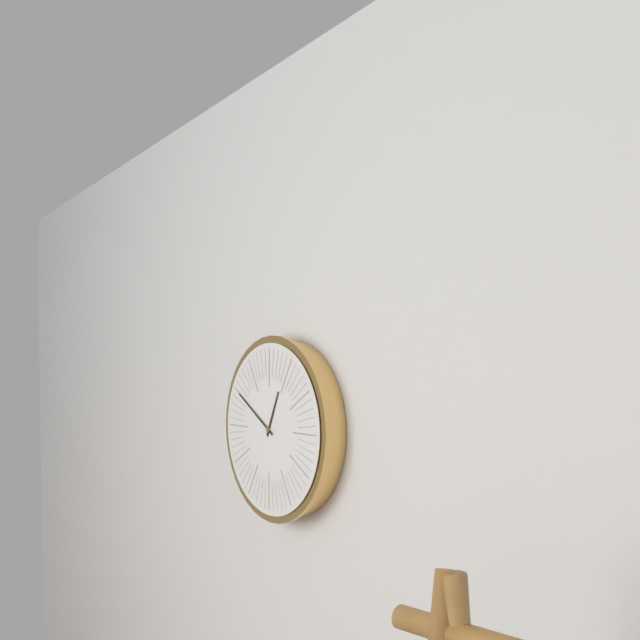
12:50
